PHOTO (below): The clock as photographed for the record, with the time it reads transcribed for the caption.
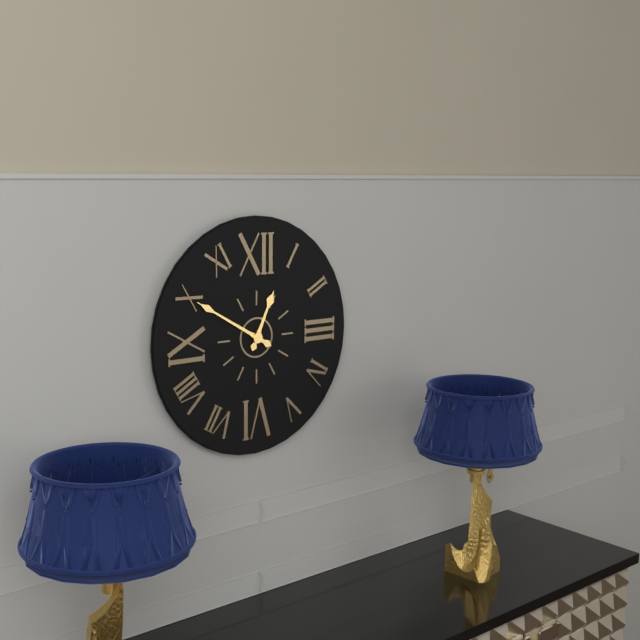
12:50
